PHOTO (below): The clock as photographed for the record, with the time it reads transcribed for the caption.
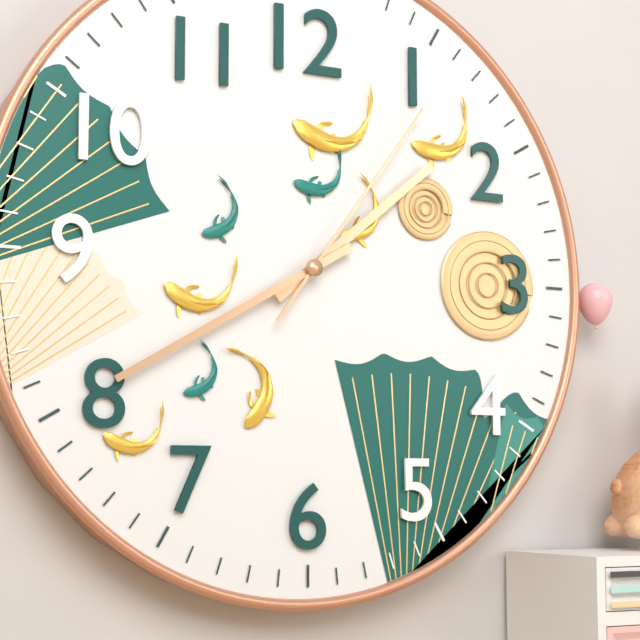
1:40:06
